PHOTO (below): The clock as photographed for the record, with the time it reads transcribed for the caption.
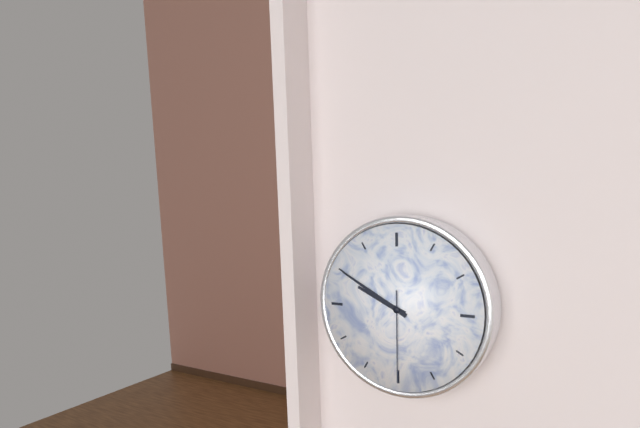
9:50:30
